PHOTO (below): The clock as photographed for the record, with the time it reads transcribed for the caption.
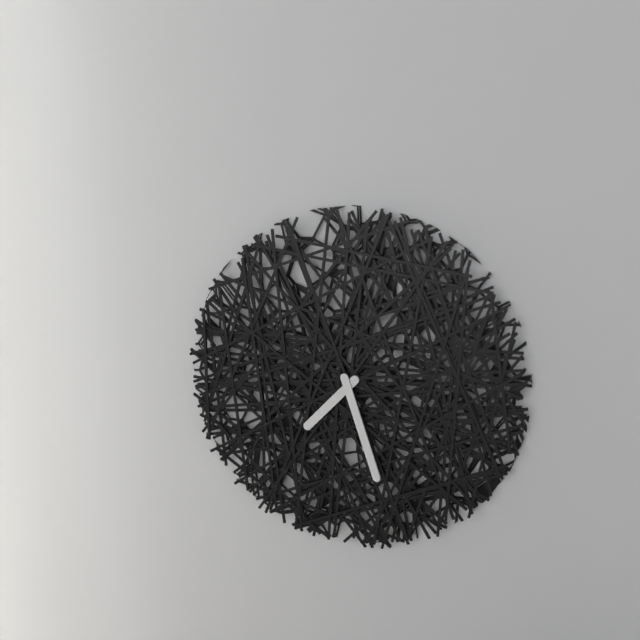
7:27
